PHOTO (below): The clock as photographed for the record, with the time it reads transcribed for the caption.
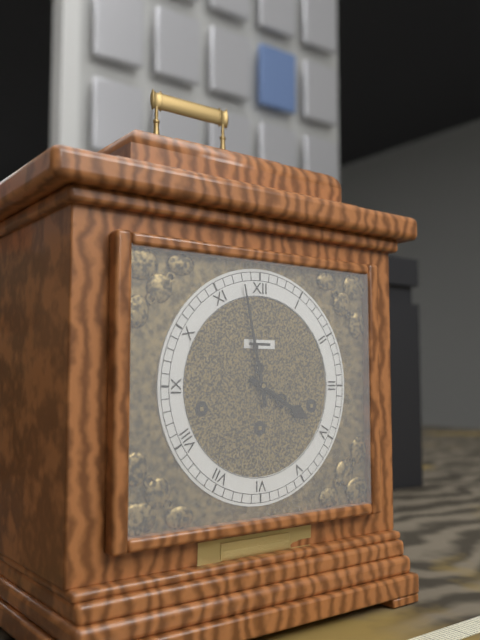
3:58
